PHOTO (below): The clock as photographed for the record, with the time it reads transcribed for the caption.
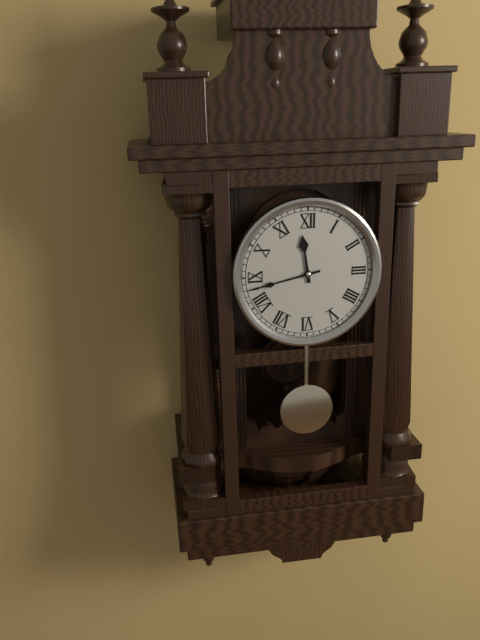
11:43
